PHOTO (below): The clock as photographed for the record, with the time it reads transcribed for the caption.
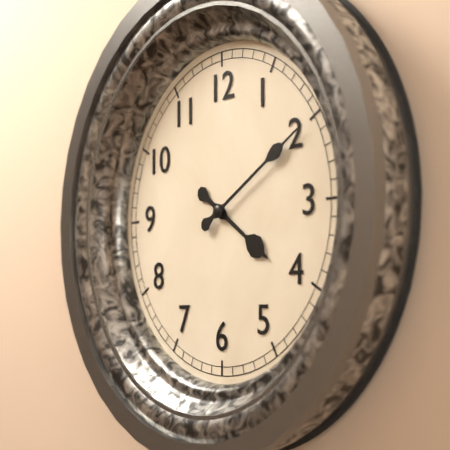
4:10
